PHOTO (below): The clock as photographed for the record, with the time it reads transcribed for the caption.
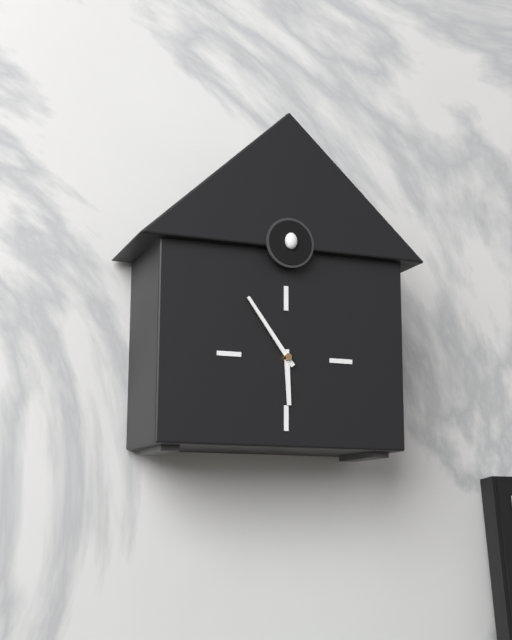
5:54
